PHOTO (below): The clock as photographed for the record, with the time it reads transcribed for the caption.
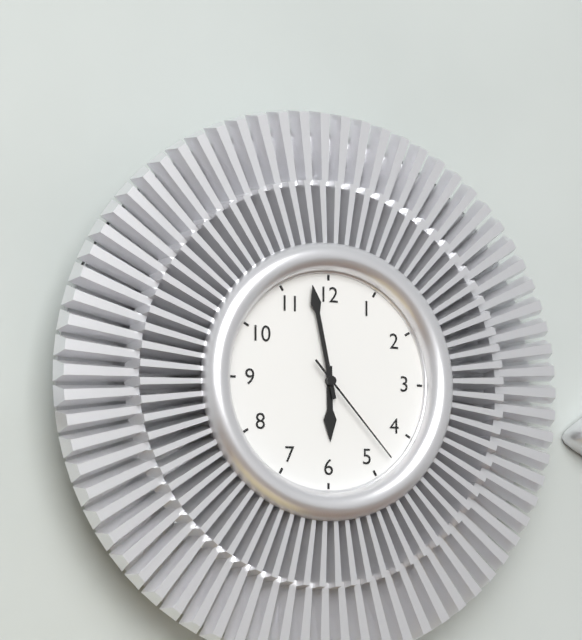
5:58:23
